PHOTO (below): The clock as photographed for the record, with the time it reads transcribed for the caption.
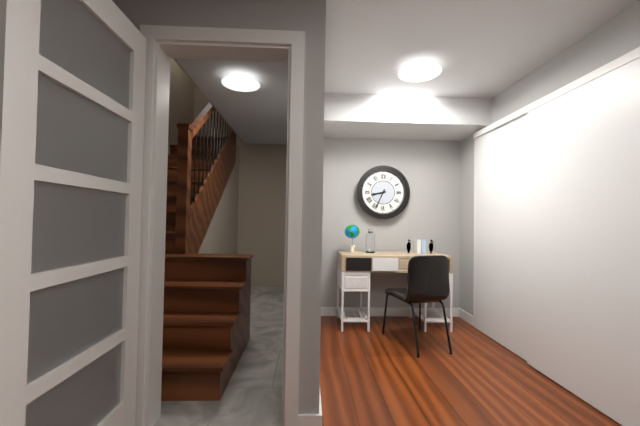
8:34
